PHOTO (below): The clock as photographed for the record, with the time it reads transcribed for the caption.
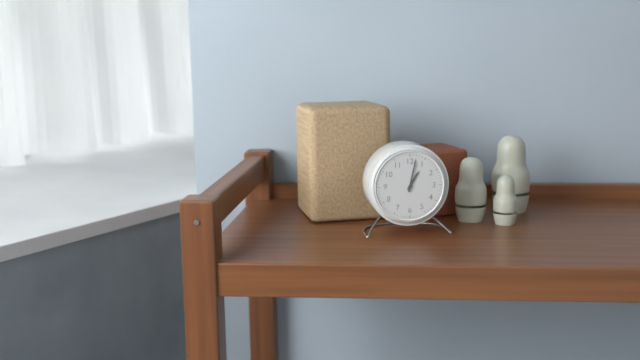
1:02
